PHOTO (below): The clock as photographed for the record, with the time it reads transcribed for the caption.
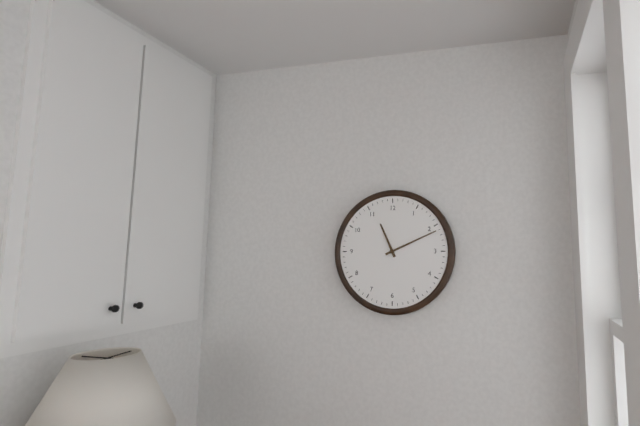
11:11
